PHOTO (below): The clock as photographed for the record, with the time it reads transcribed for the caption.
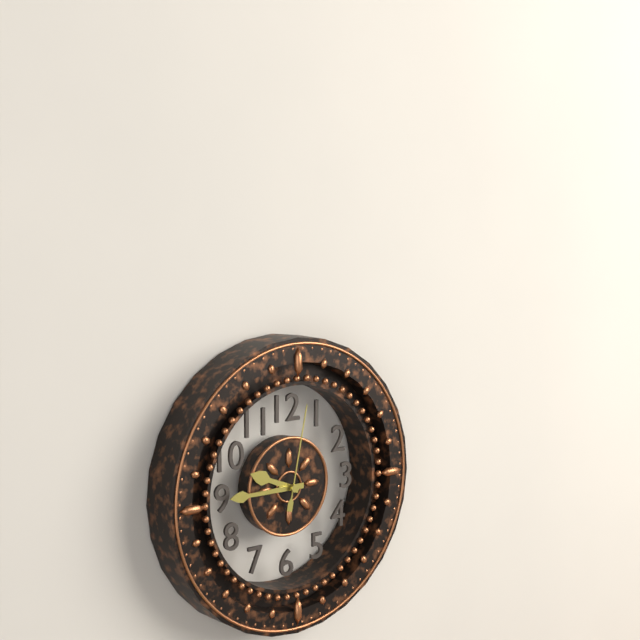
9:45:02
